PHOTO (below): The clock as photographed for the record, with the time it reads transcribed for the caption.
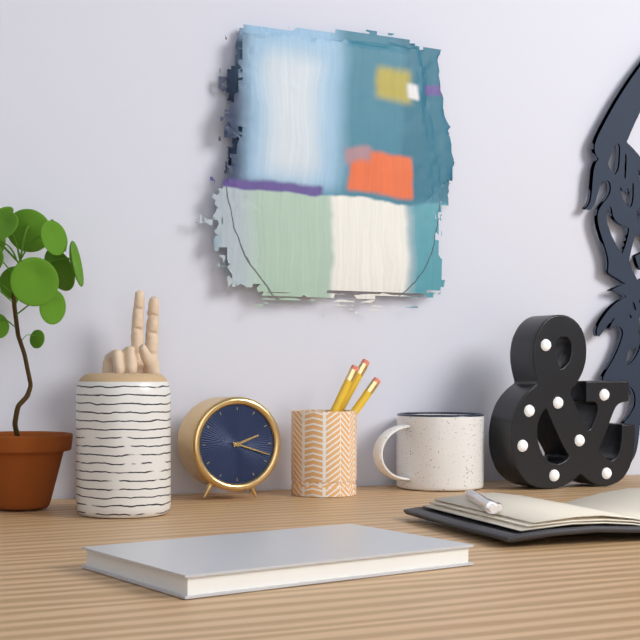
2:18
